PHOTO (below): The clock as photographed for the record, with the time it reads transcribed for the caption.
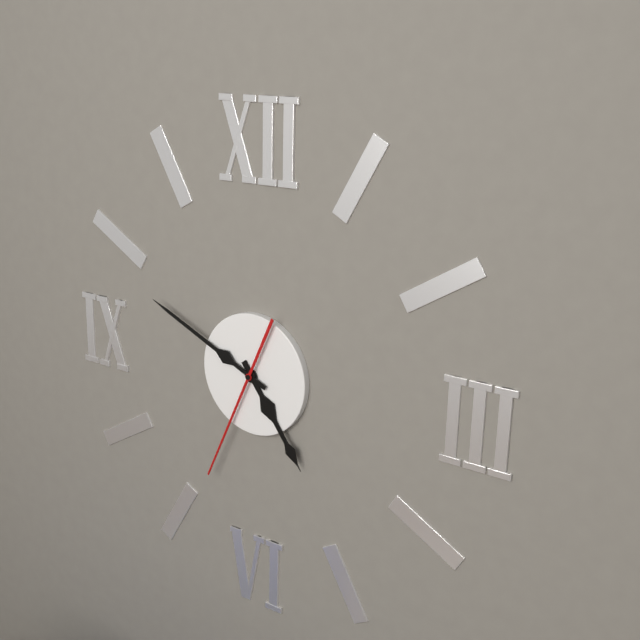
4:49:34
